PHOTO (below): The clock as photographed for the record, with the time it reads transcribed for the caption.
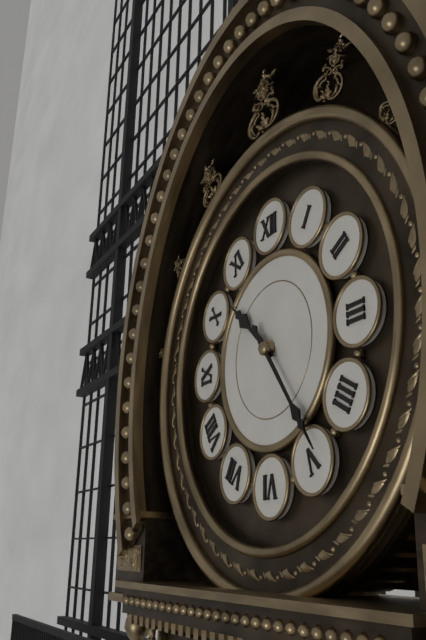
10:24
